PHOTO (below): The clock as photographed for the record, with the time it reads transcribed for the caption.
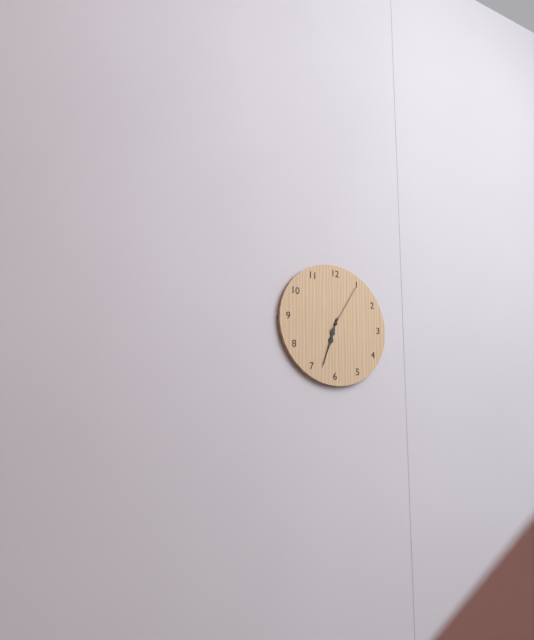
6:33:05
